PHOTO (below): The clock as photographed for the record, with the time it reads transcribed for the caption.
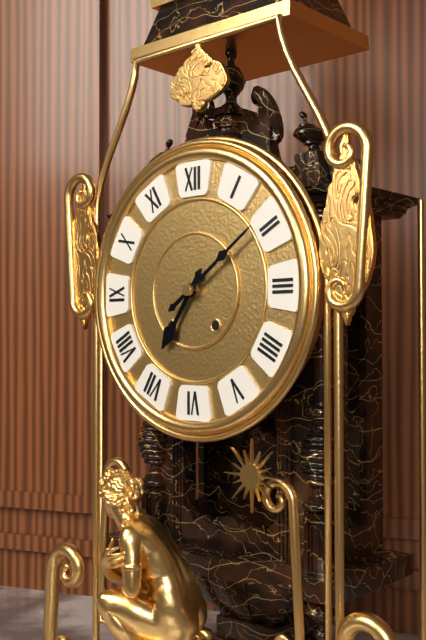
7:09
